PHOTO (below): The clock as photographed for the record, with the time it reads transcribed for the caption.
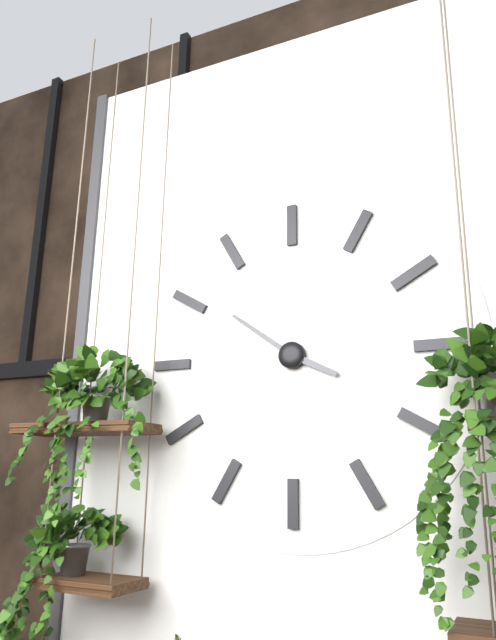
3:51
